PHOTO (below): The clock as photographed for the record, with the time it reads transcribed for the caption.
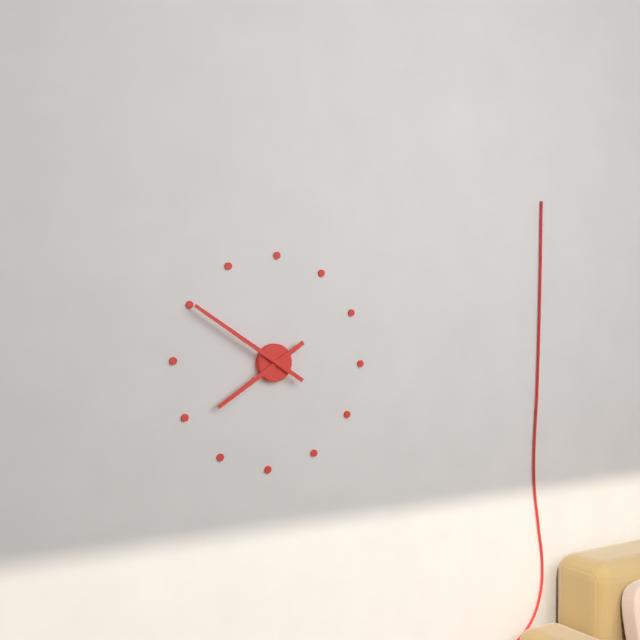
7:50
